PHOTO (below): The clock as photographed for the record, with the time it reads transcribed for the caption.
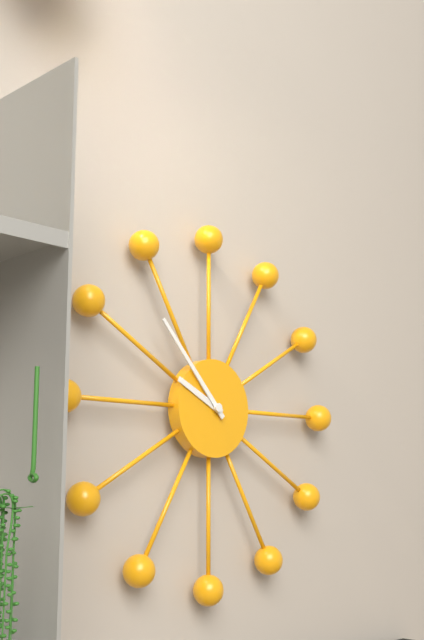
9:53
